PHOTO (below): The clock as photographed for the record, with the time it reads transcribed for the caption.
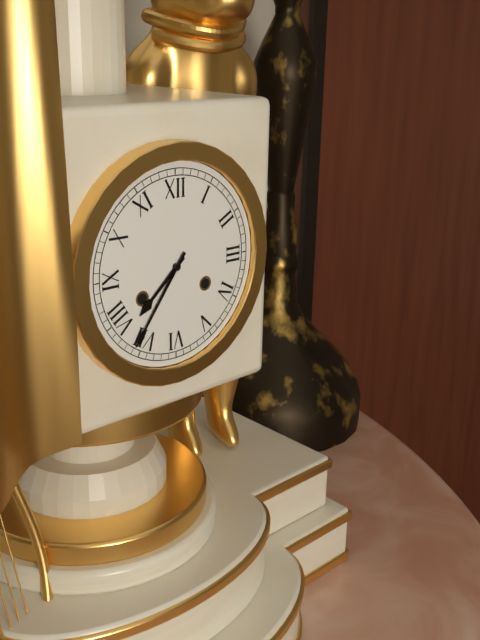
7:36
